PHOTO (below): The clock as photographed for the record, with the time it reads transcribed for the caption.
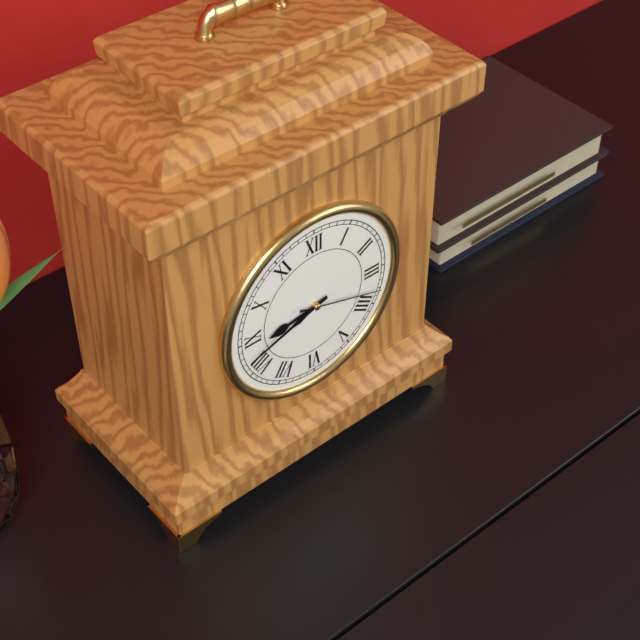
8:42:18
